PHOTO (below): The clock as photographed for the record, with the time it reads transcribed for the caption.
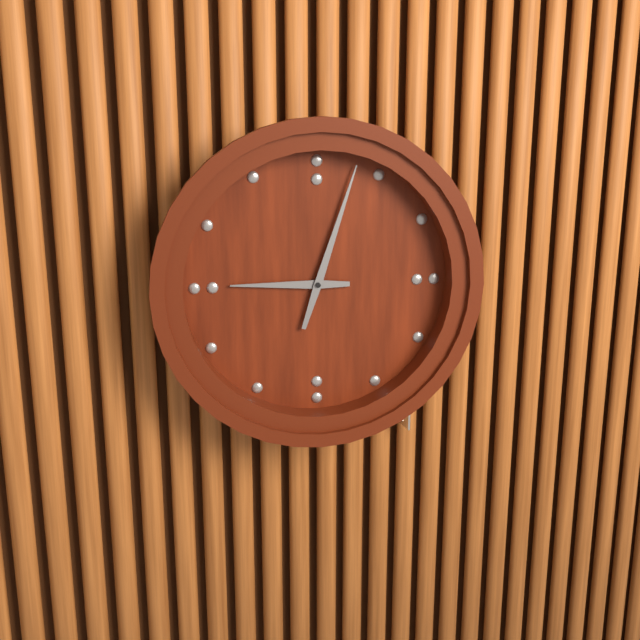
9:03
